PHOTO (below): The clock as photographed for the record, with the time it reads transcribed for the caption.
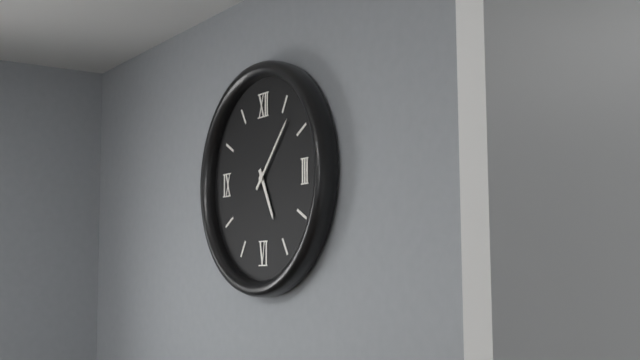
5:07
